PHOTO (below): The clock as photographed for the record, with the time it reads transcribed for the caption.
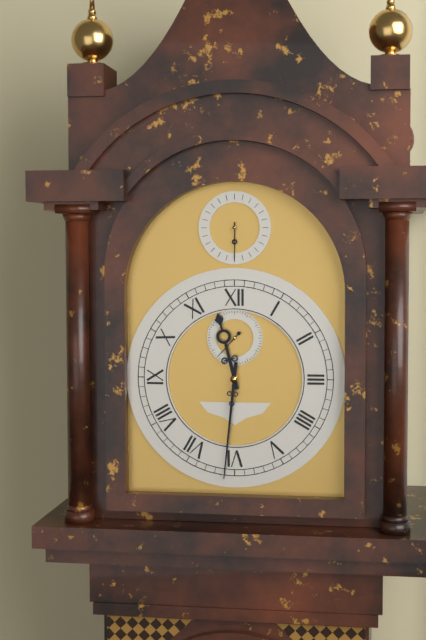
11:31
